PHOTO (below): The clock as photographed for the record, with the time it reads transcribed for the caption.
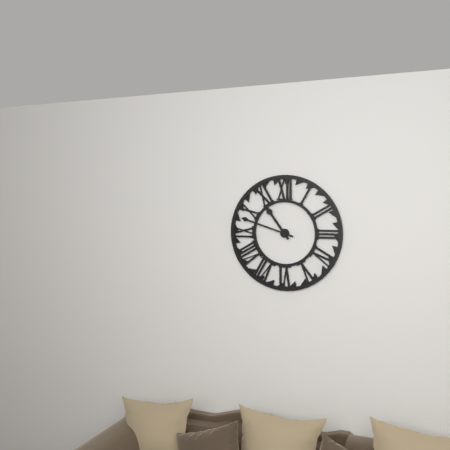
10:48
